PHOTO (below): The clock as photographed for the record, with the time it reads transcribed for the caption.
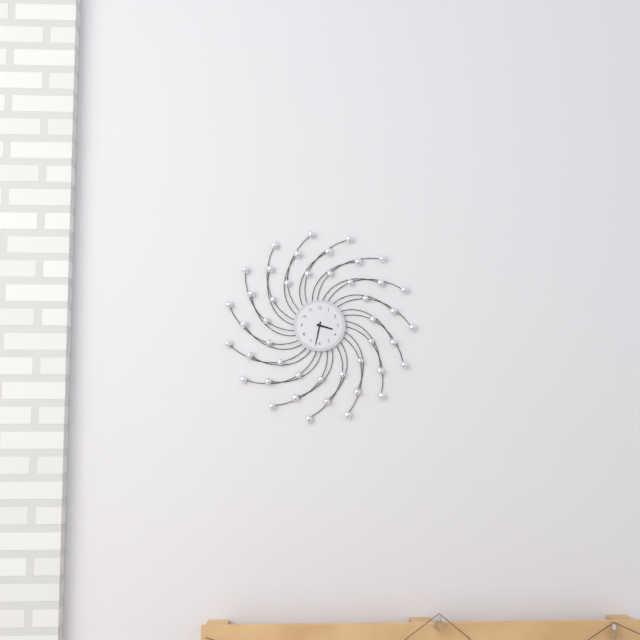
3:32
